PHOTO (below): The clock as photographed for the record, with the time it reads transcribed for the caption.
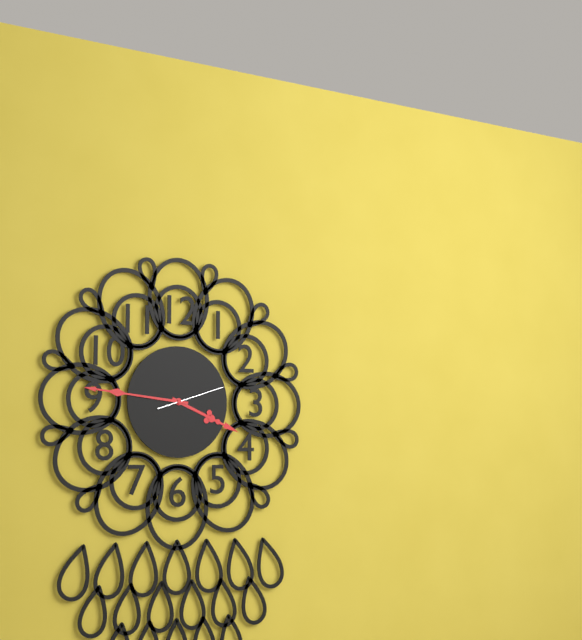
3:46:12
